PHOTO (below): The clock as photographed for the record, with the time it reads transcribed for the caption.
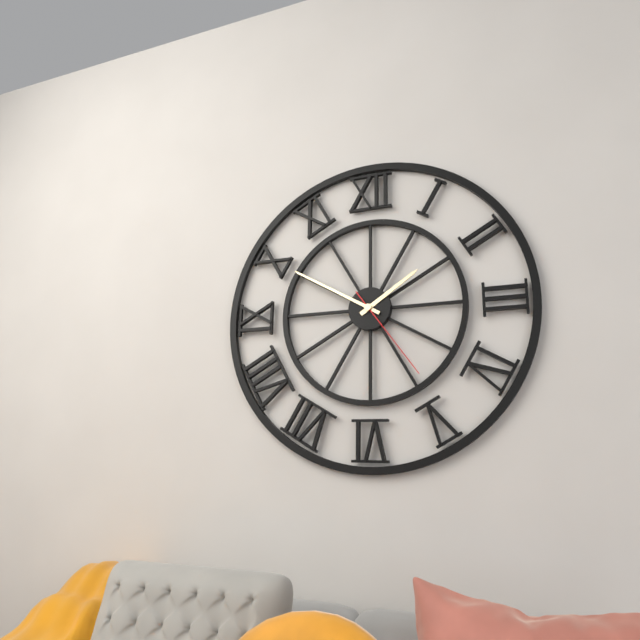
1:50:24
